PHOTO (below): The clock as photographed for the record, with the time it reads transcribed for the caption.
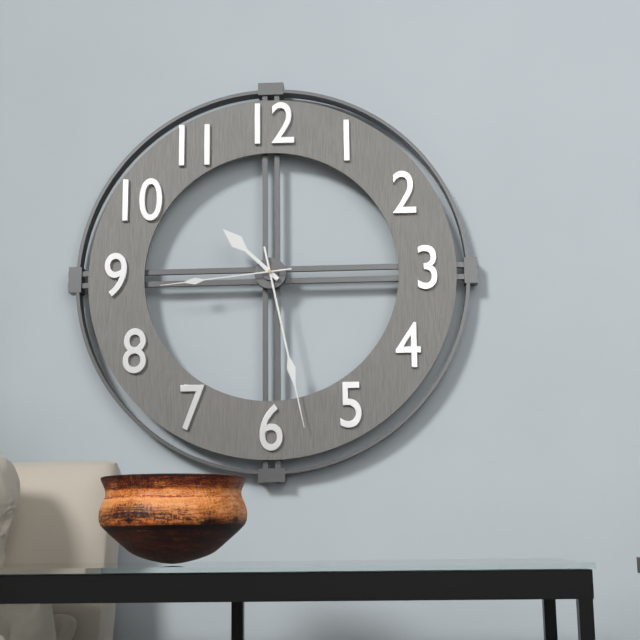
10:28:44
